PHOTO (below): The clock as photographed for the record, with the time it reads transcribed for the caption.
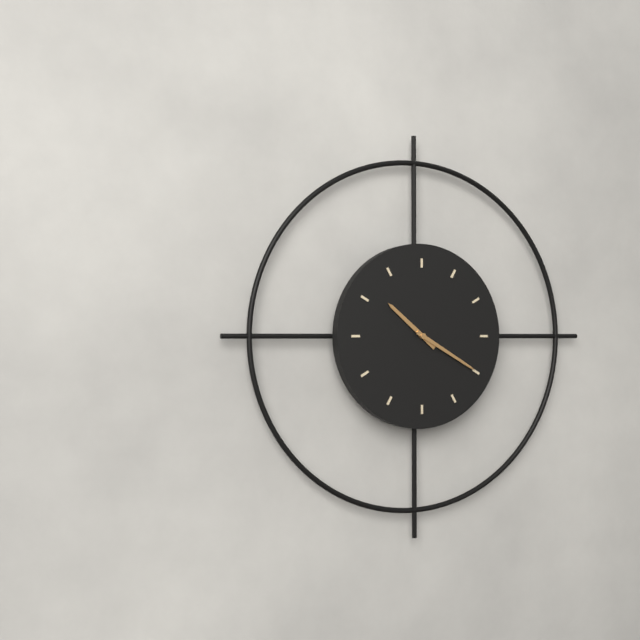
10:20
